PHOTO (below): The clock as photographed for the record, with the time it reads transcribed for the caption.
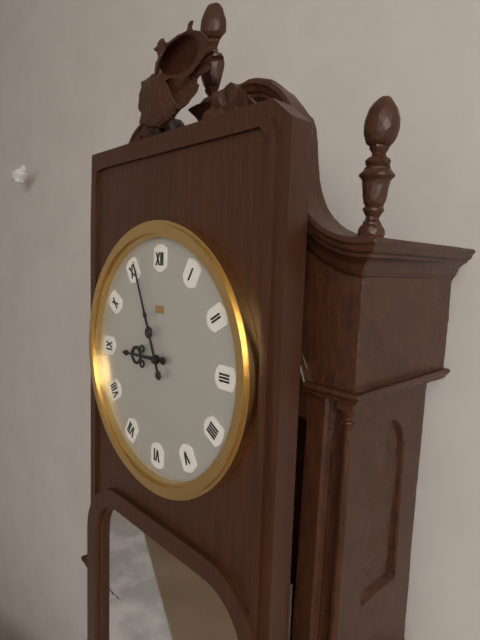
8:56
